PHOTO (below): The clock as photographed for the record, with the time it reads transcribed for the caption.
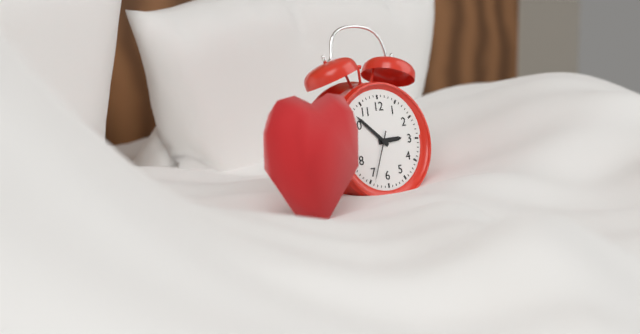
2:52:34
